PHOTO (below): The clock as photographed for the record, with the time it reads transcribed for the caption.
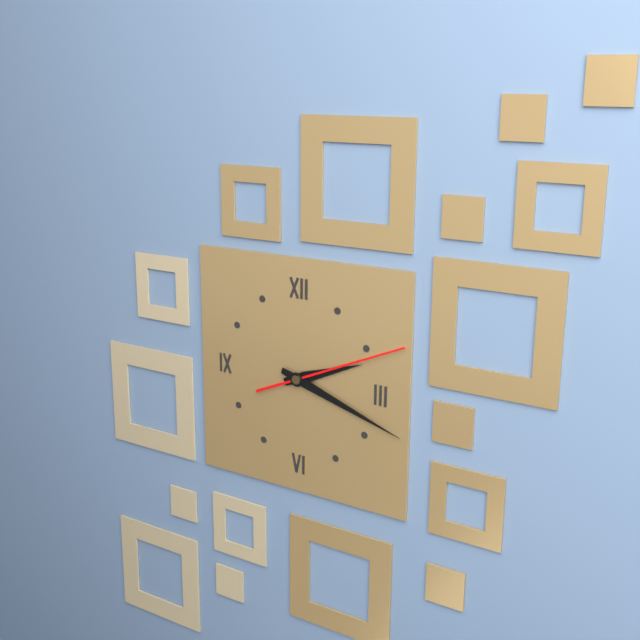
2:18:11
